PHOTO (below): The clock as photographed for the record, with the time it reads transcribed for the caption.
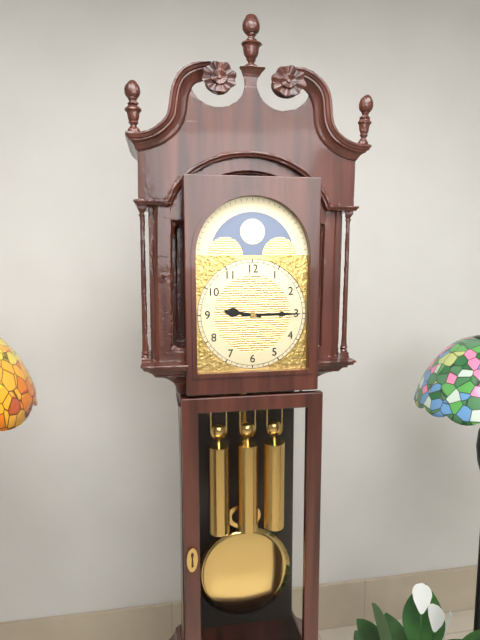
9:15
